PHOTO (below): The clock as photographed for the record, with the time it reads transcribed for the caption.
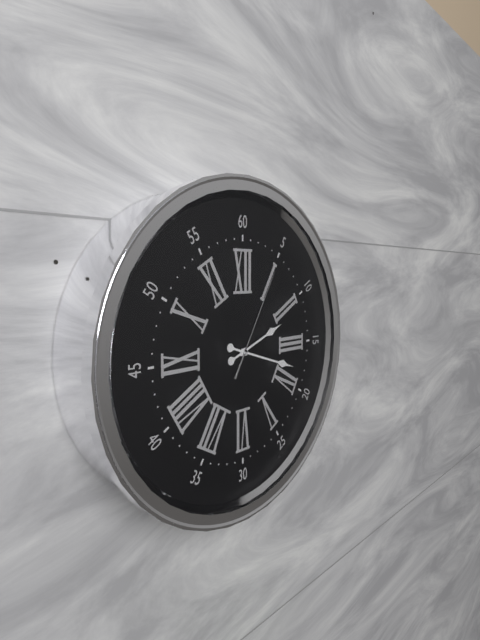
2:18:05
